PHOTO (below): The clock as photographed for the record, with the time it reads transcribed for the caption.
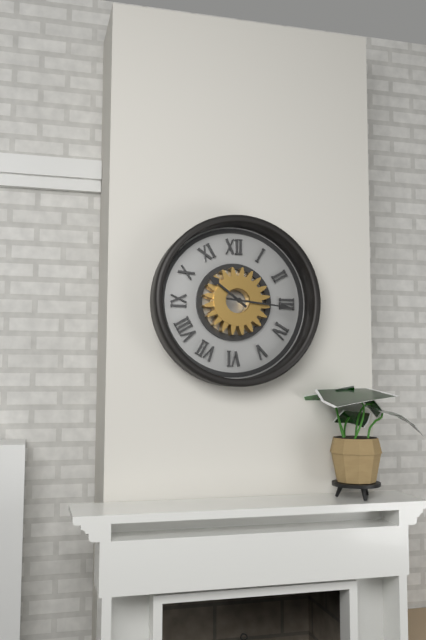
10:16
